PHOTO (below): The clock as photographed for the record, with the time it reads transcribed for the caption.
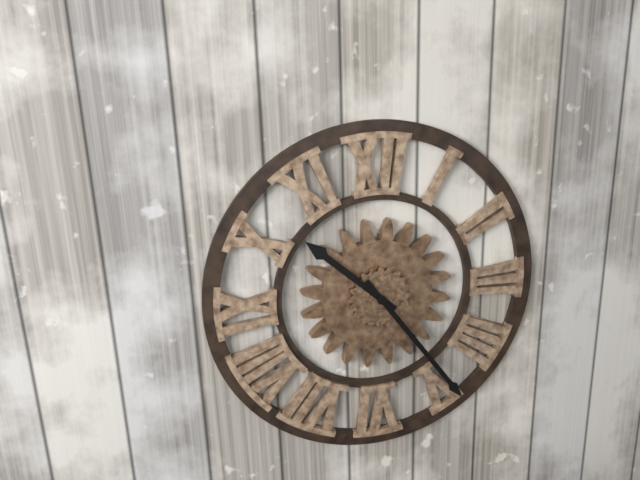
10:24
